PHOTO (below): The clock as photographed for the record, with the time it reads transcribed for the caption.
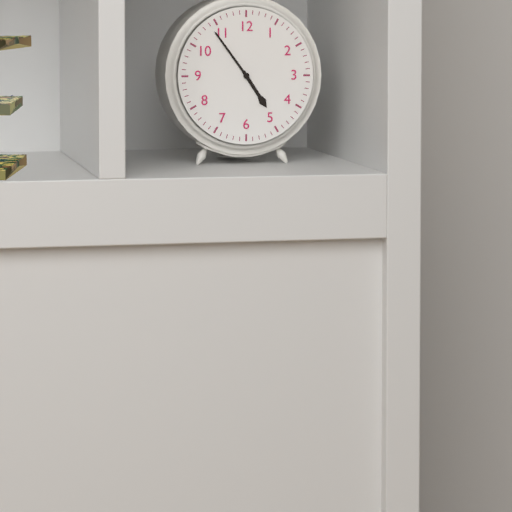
4:54
